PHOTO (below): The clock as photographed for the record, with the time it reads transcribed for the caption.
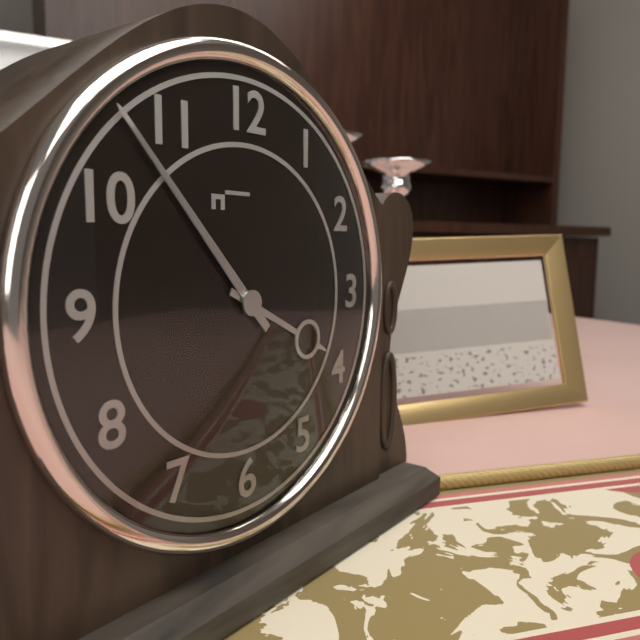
3:53
